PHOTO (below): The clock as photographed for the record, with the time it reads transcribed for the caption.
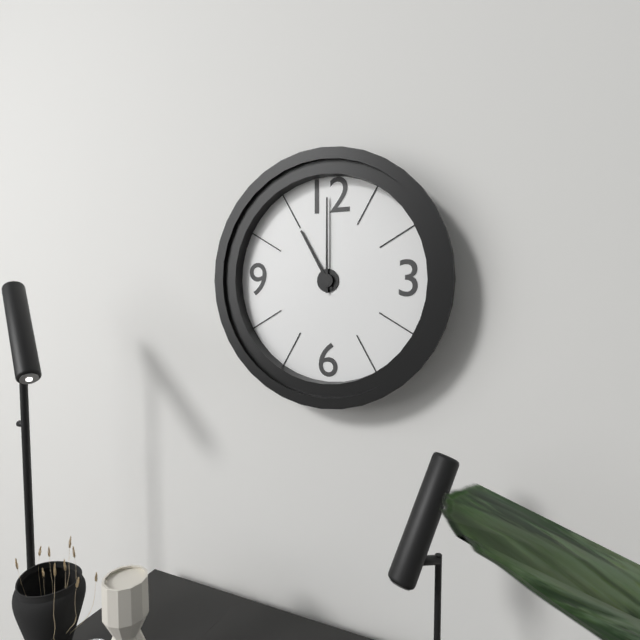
11:00
